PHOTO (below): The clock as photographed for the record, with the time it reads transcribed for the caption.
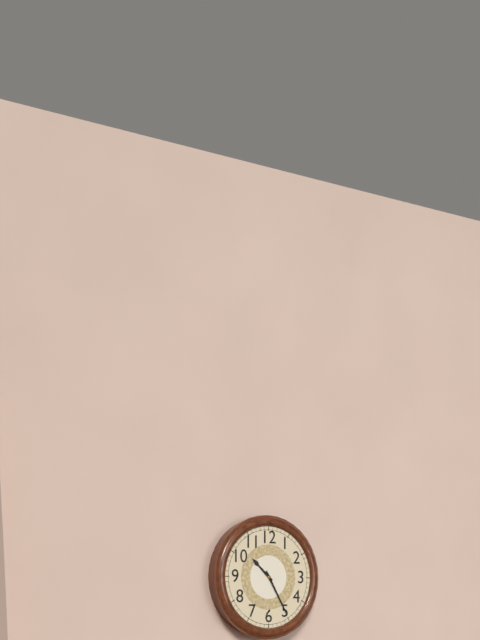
10:25
